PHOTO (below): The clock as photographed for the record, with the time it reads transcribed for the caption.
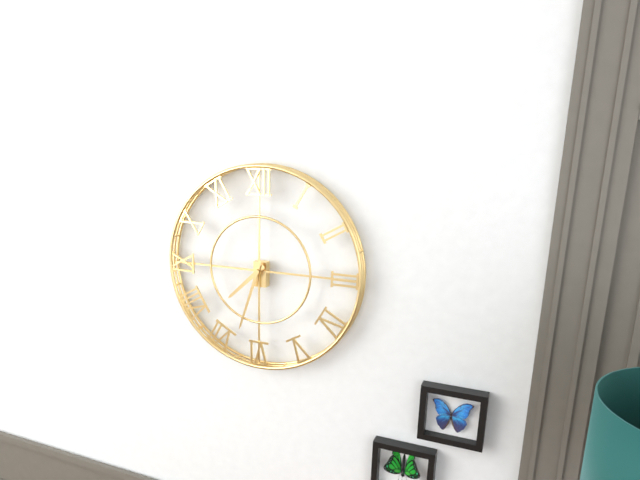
7:33
